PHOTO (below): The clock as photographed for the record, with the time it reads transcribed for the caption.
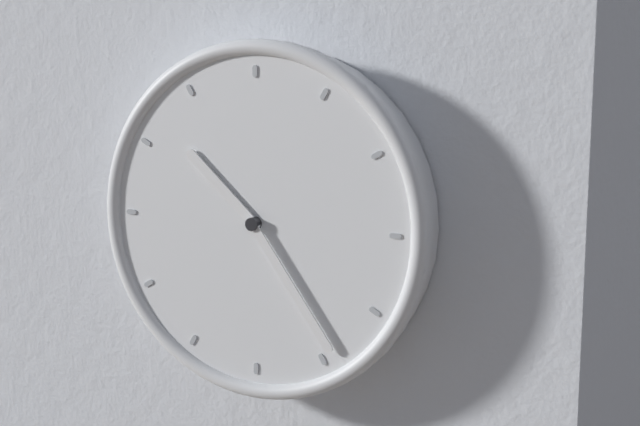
10:24
